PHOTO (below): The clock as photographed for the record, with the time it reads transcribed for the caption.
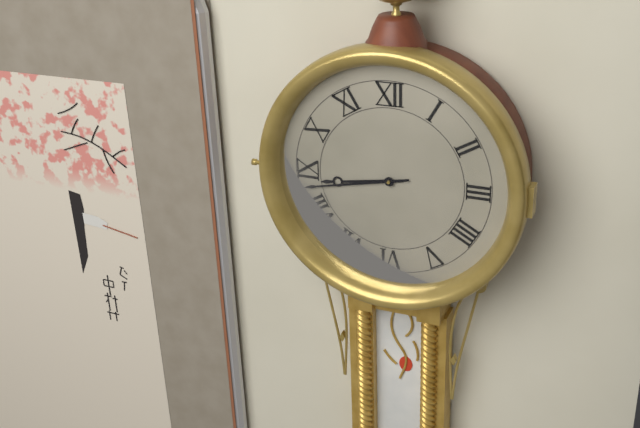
8:43
